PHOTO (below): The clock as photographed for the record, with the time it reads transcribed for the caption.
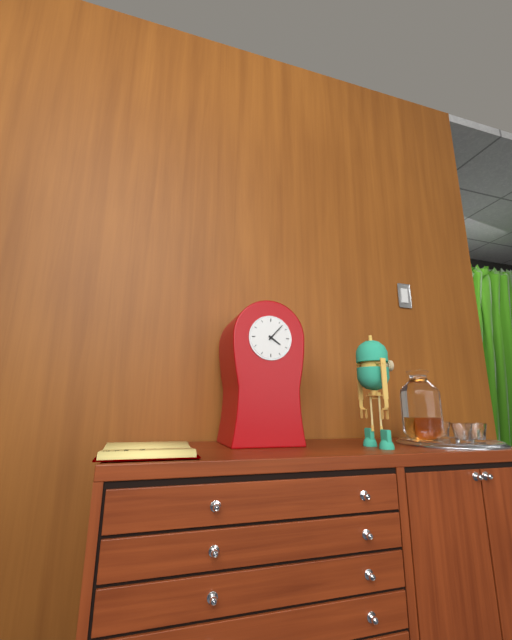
4:07
